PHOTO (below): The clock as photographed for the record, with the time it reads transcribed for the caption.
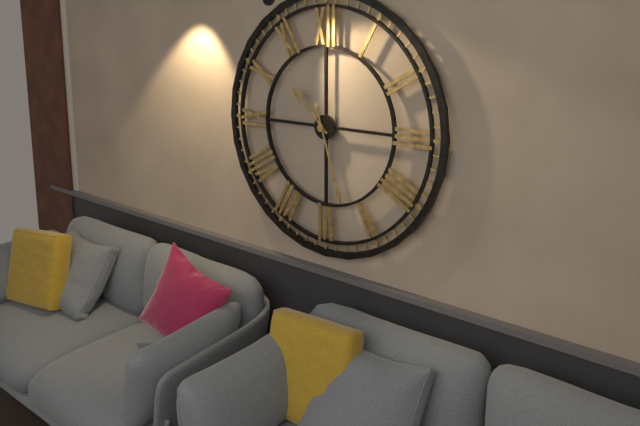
10:27
